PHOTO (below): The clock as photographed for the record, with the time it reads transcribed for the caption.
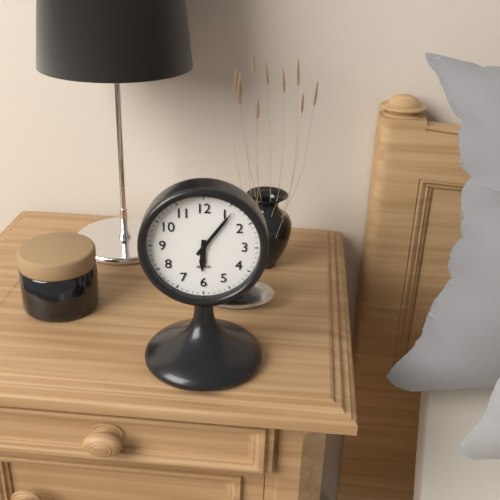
6:06
